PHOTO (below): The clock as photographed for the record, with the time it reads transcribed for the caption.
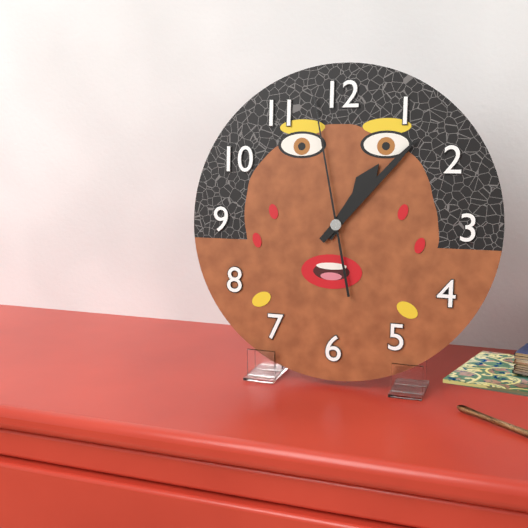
1:07:58
